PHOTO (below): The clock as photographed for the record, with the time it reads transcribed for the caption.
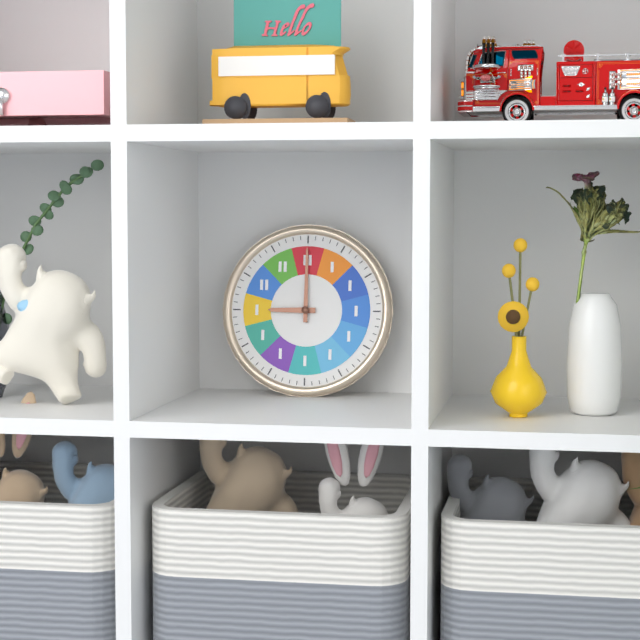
9:00
